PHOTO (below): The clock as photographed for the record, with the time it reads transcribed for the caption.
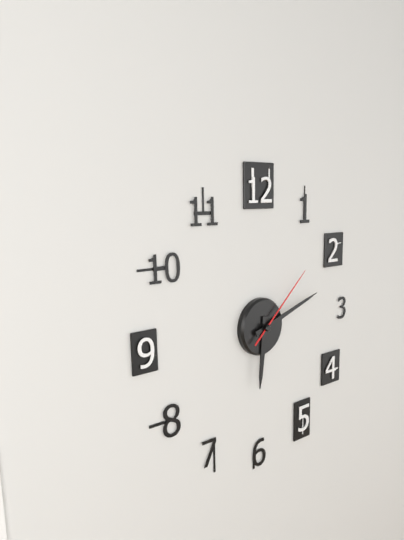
6:12:08
